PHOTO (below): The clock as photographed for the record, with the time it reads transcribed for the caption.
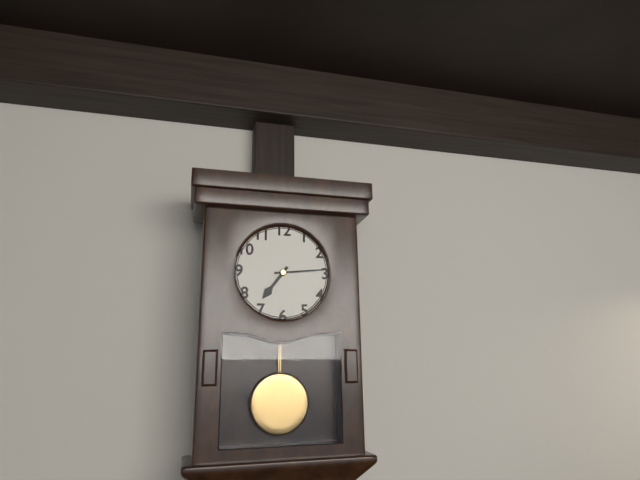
7:14
